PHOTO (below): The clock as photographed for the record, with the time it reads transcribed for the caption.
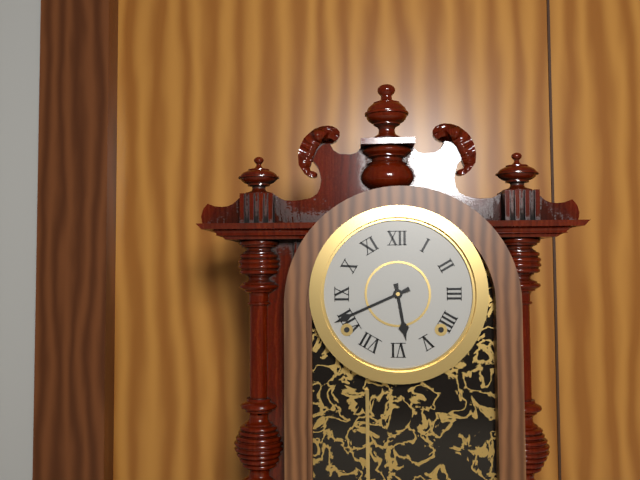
5:41
